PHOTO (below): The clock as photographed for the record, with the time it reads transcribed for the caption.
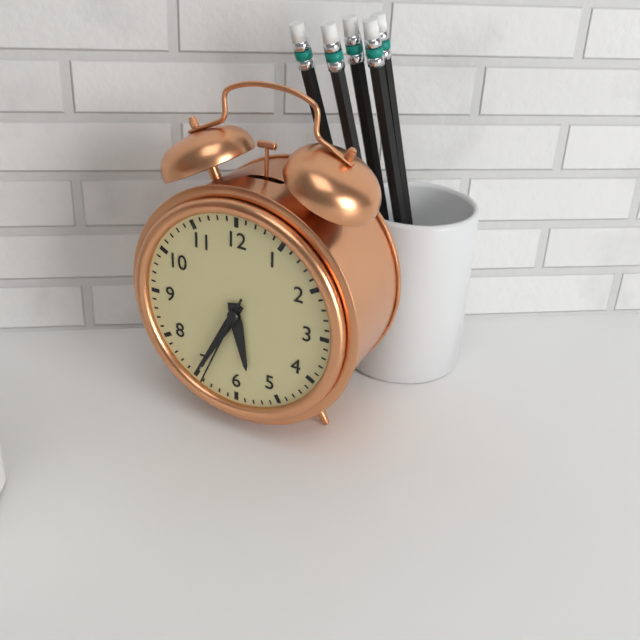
5:35:34
